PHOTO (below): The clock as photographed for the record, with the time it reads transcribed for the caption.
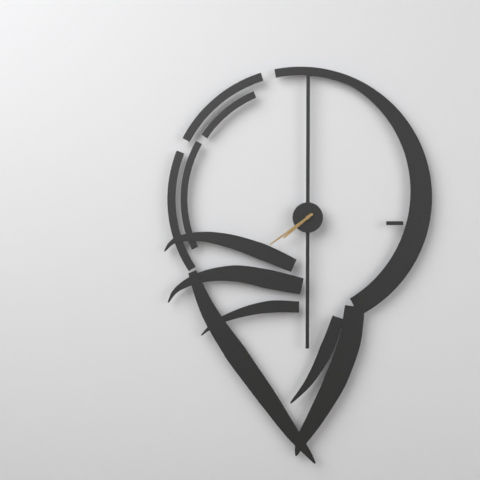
7:39
